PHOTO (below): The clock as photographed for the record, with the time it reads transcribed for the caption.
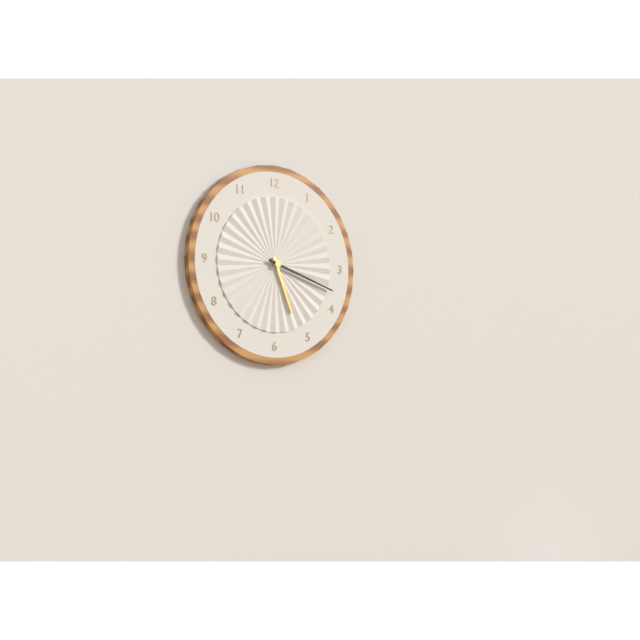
5:18
